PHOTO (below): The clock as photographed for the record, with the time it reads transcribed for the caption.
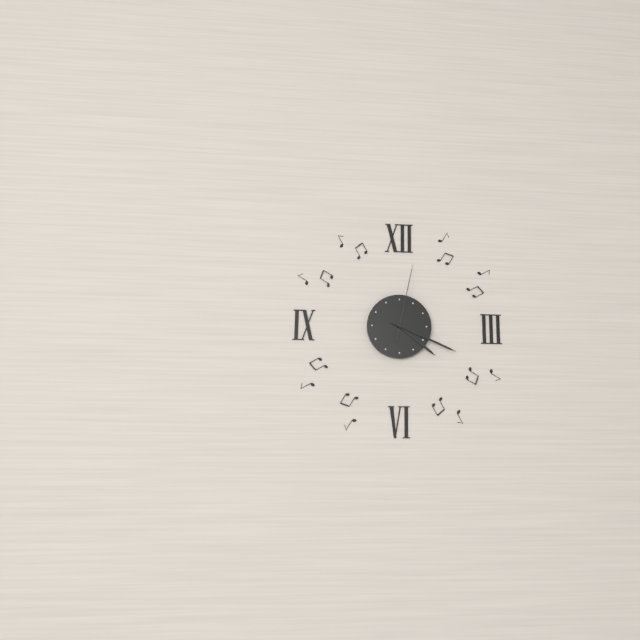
4:19:02
